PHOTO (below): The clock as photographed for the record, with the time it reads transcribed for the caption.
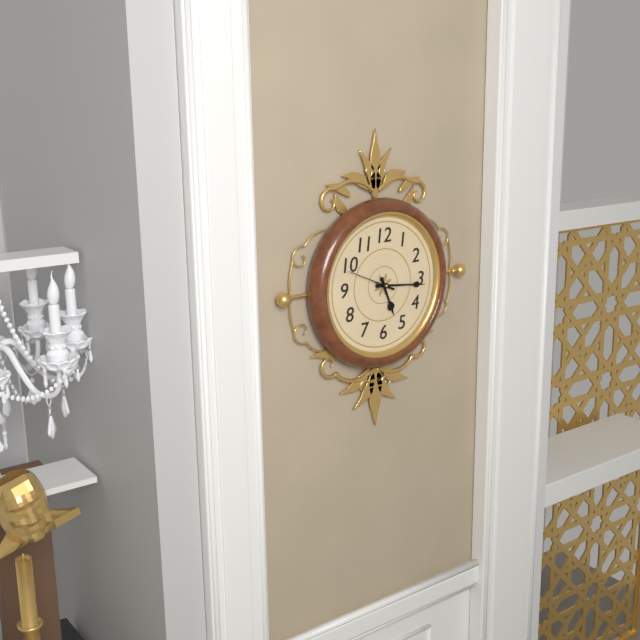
5:16:49
